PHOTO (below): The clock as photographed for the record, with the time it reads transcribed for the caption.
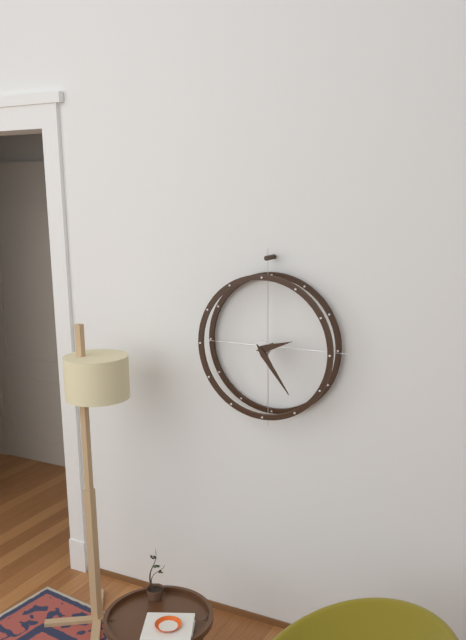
2:24
